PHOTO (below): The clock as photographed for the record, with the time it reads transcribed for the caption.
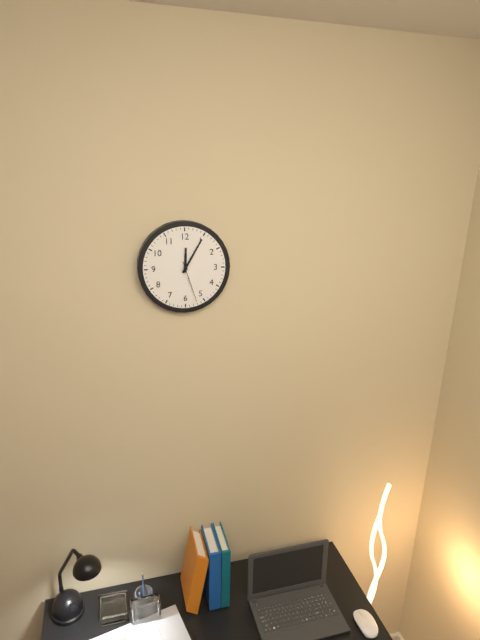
12:05
